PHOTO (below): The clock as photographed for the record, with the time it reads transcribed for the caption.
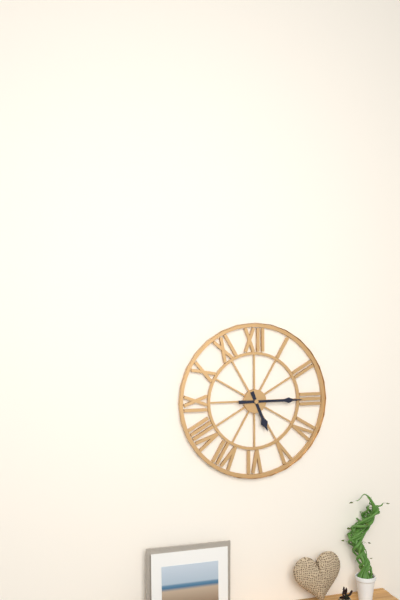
5:15
